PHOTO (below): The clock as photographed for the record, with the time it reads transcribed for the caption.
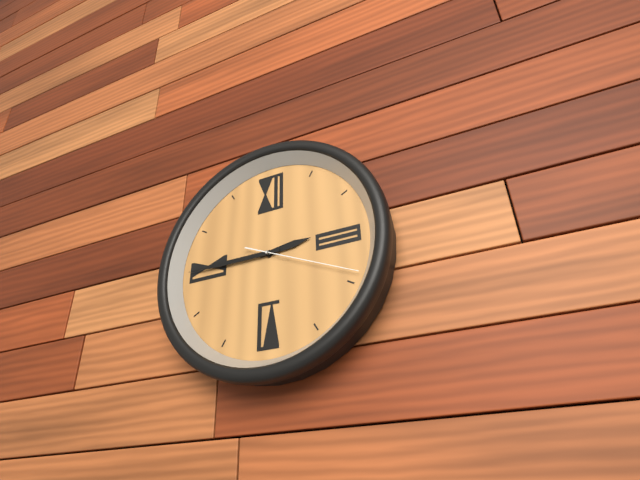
2:45:19
